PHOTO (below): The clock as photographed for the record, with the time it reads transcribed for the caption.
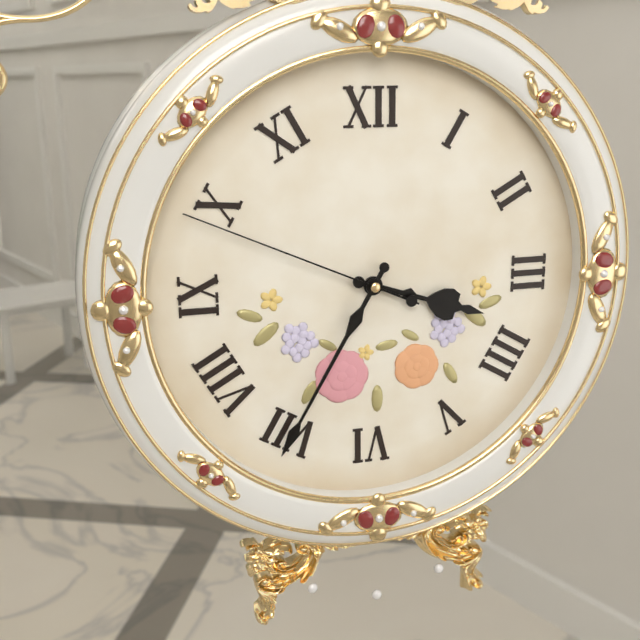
3:35:49
